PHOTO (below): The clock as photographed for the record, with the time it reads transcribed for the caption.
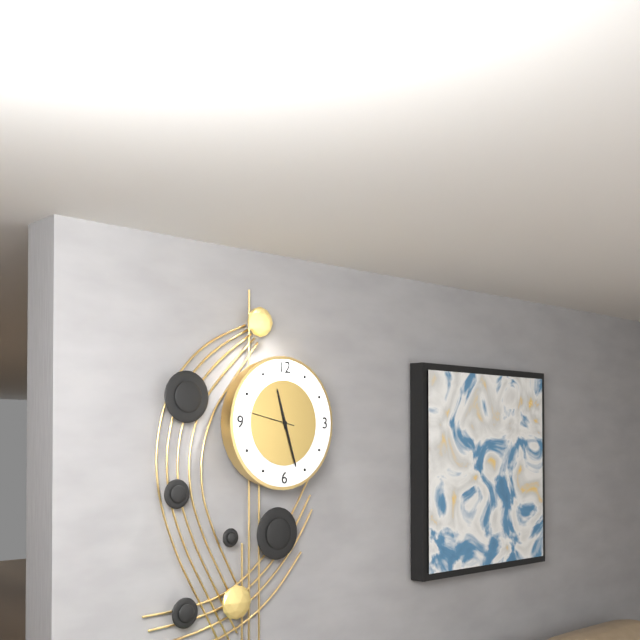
11:27:47
